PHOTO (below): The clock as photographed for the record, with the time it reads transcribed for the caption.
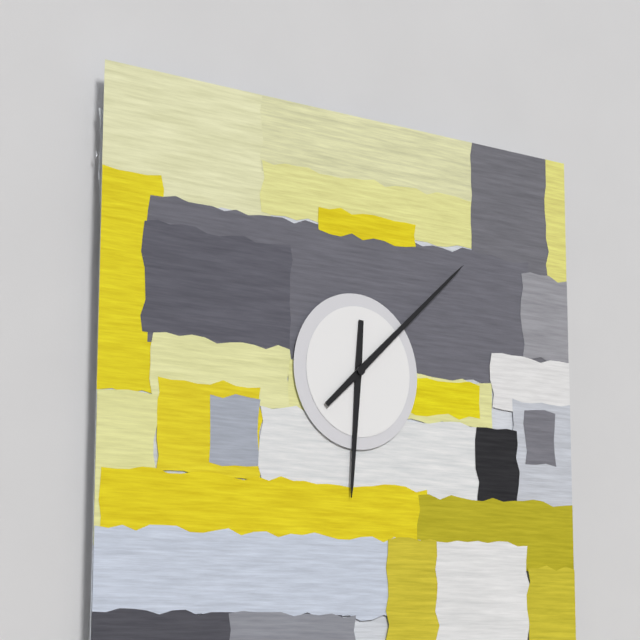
6:08
